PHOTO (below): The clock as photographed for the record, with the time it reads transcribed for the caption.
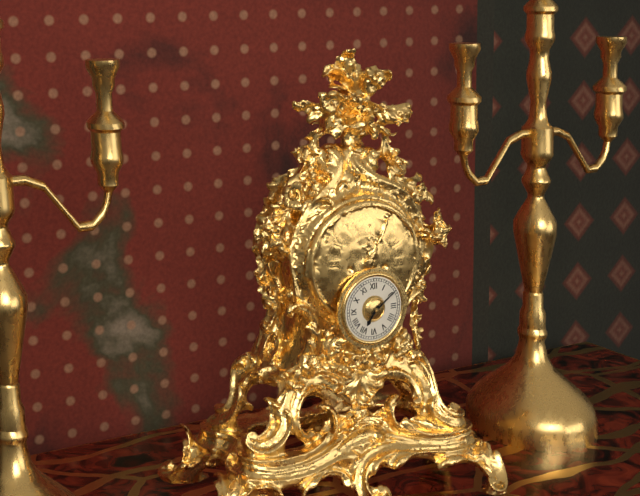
7:09
